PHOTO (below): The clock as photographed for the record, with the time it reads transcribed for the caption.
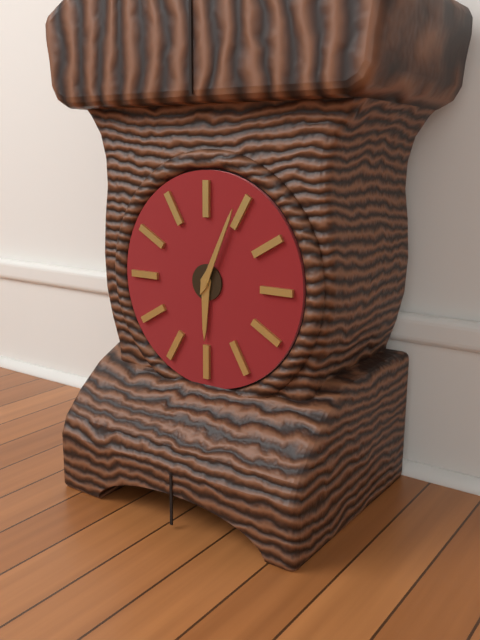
6:04
